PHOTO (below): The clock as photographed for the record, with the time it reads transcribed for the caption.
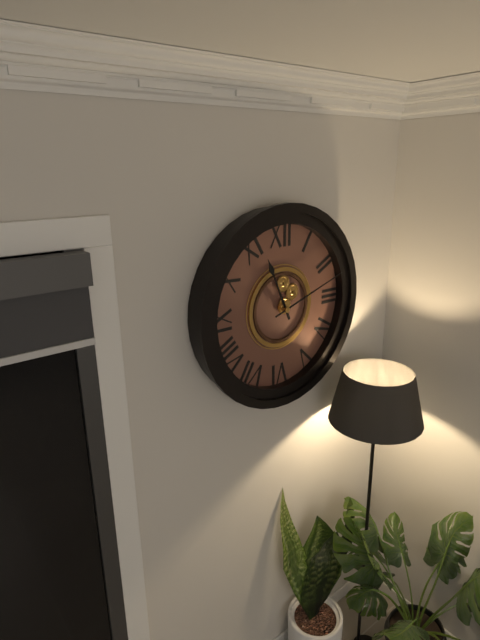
11:12
